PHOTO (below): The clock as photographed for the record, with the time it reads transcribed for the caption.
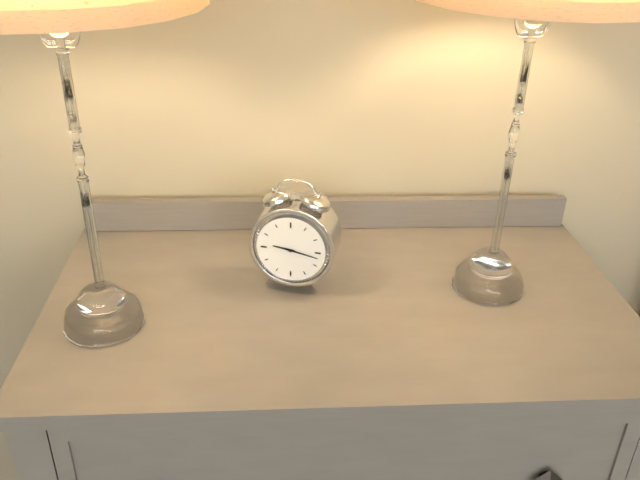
9:17
